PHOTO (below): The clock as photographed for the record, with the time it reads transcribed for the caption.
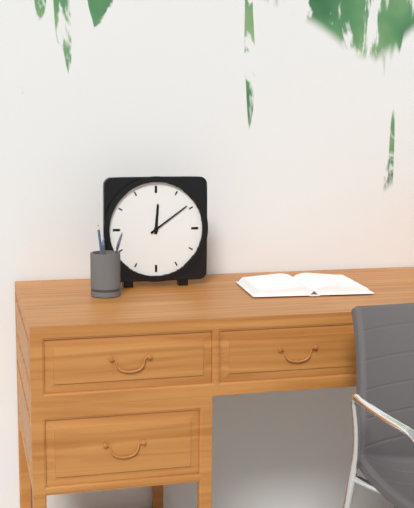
12:09
